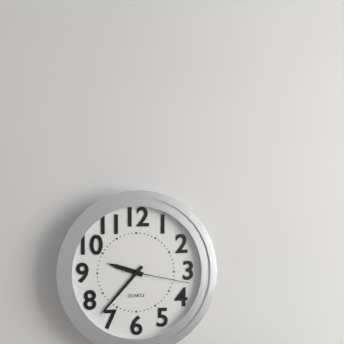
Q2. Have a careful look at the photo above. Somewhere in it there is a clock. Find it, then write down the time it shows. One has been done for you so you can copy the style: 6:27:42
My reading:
9:37:17
